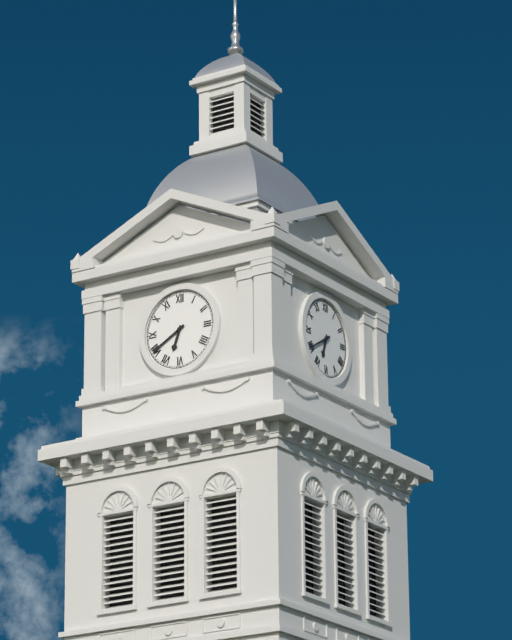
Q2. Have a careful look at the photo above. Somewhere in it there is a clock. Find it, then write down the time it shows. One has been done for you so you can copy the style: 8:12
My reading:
6:40
